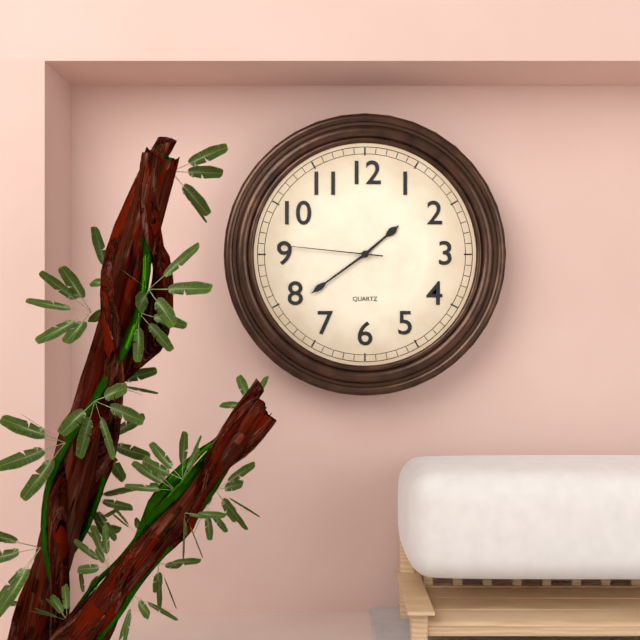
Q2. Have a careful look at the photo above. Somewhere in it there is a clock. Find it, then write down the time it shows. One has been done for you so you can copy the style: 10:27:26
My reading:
1:39:46
